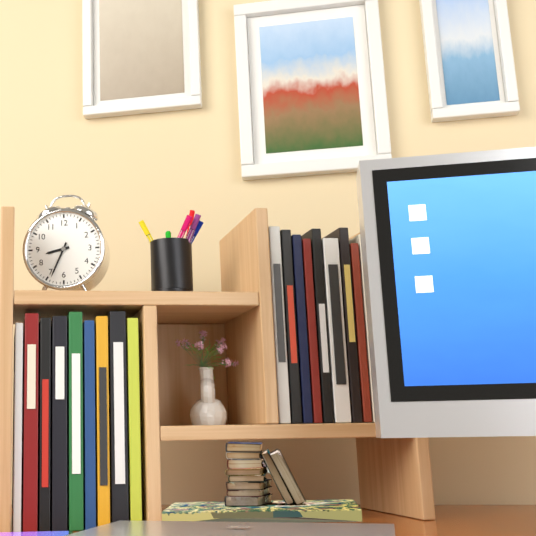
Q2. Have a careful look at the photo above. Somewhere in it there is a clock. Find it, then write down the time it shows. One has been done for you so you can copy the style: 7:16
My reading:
8:34
